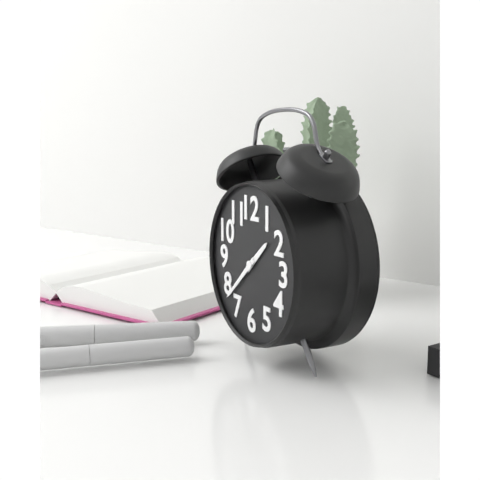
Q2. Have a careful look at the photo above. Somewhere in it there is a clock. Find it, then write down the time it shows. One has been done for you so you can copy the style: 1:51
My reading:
1:38
